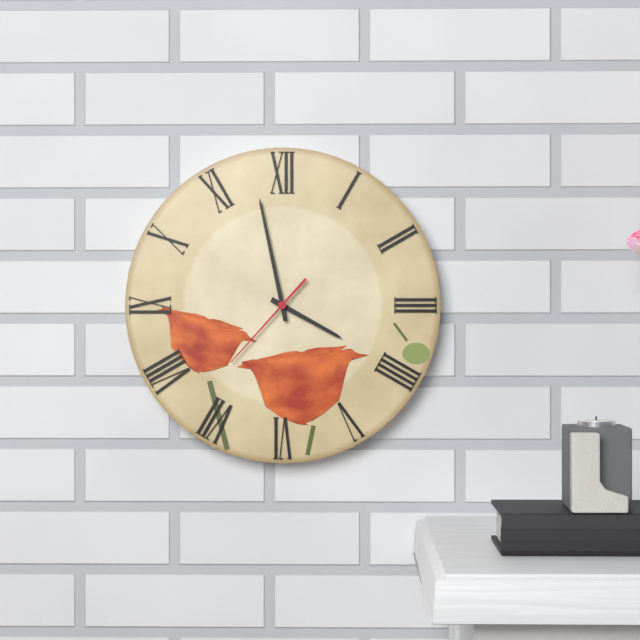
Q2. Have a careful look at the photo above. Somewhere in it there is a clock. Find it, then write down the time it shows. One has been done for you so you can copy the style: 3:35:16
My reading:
3:58:37
